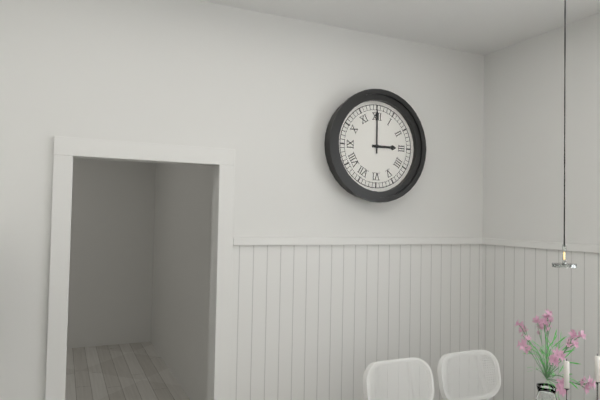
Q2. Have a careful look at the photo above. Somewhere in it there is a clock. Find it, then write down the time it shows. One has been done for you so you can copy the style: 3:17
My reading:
3:00
